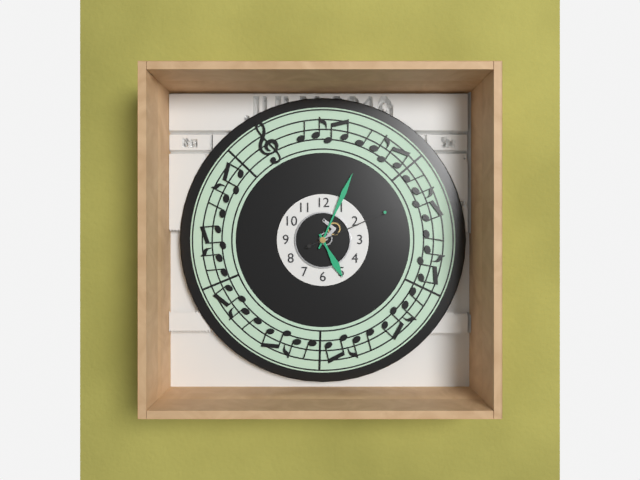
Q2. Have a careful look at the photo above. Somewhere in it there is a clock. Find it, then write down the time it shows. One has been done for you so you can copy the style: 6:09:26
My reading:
5:04:11
